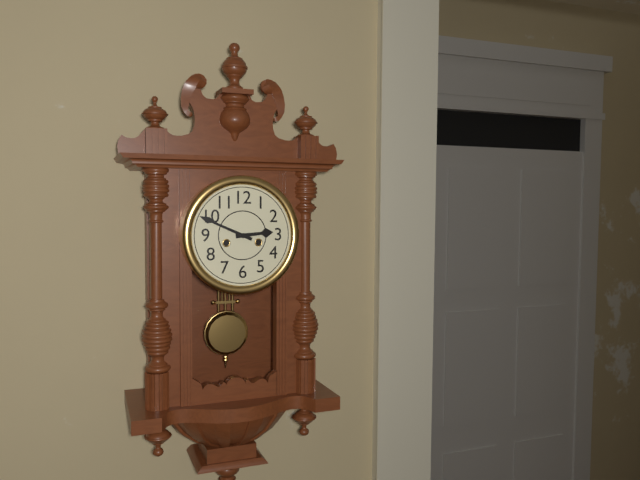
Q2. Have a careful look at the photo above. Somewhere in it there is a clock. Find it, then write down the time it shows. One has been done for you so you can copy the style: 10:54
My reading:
2:49
